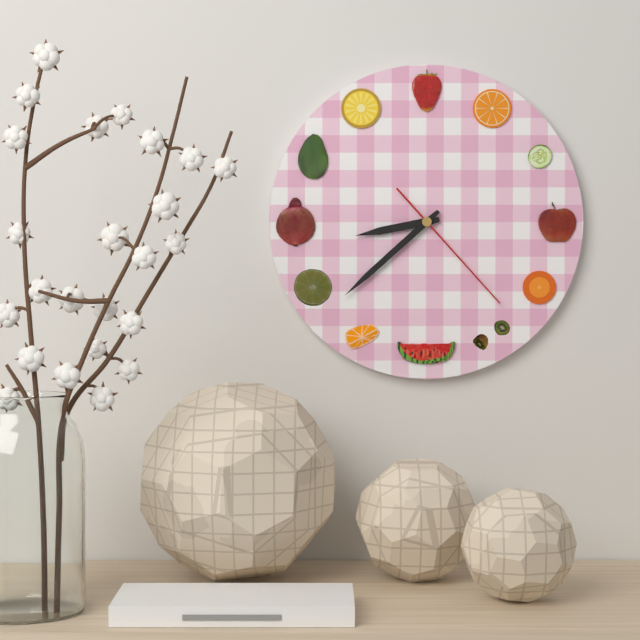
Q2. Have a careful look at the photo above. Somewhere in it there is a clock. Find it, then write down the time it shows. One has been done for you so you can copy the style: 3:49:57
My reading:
8:38:23
